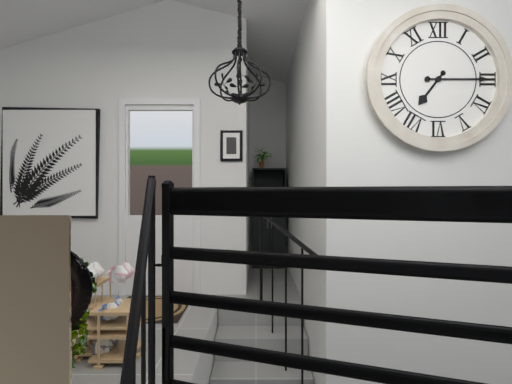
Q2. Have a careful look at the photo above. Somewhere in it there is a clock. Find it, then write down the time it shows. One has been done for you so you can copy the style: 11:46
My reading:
7:15
